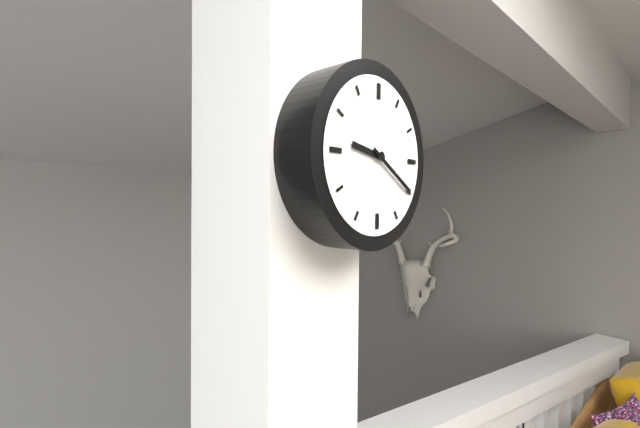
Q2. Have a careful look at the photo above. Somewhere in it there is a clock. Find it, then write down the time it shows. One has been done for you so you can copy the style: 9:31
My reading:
9:20
